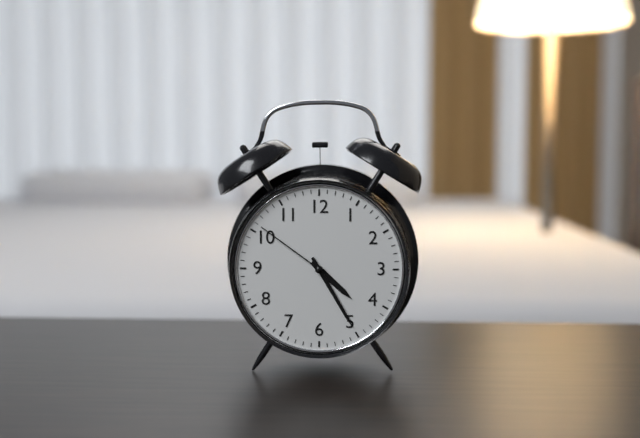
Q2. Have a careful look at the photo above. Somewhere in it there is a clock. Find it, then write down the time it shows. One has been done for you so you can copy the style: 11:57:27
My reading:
4:25:51
